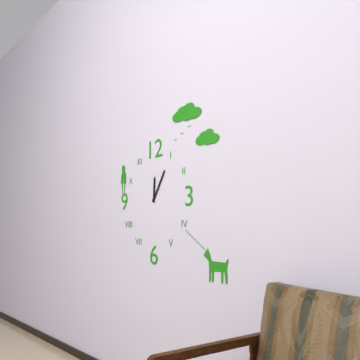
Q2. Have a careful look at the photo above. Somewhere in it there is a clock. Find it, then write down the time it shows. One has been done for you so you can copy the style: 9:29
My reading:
12:05
